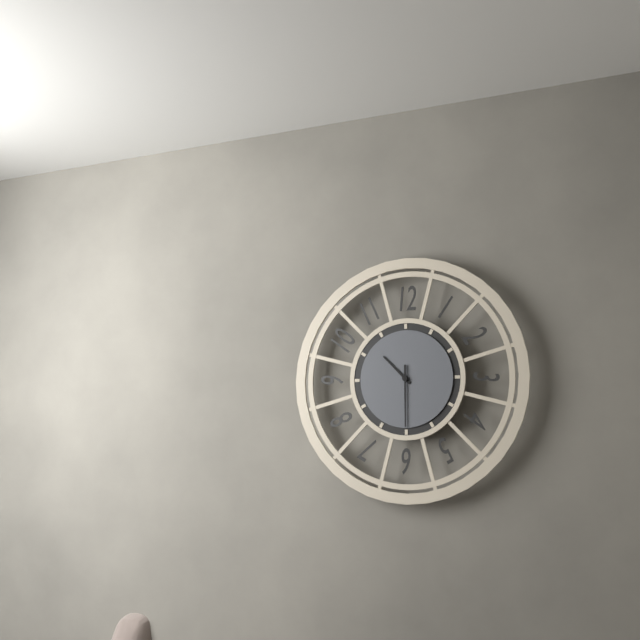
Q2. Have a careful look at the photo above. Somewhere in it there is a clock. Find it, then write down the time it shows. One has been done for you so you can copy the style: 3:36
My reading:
10:30
